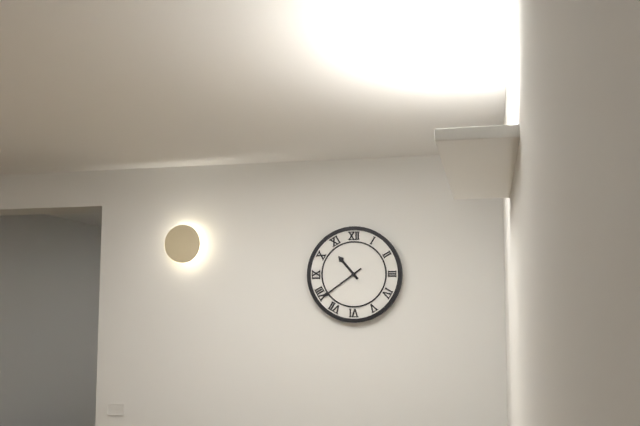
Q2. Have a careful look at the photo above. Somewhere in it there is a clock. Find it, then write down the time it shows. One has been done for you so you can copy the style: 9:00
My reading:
10:39
